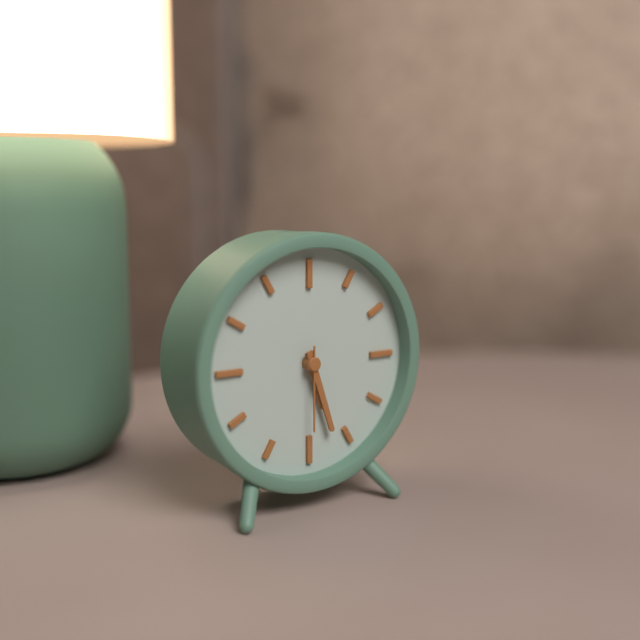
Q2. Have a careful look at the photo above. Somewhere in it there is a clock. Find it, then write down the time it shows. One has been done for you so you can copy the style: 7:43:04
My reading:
5:27:30
